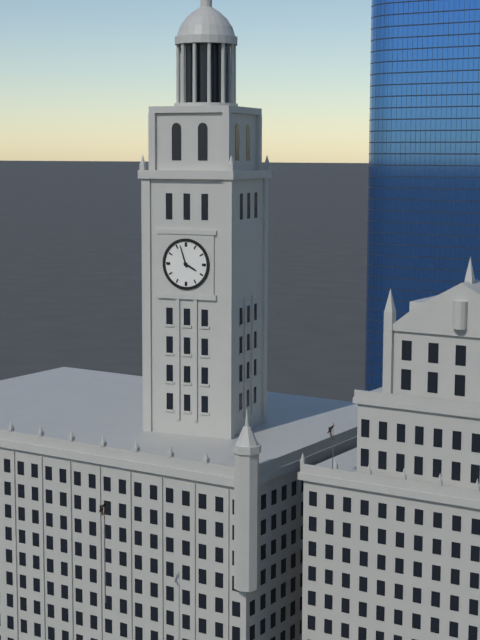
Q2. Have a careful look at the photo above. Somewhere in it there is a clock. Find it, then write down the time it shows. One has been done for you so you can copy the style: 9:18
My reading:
3:57
